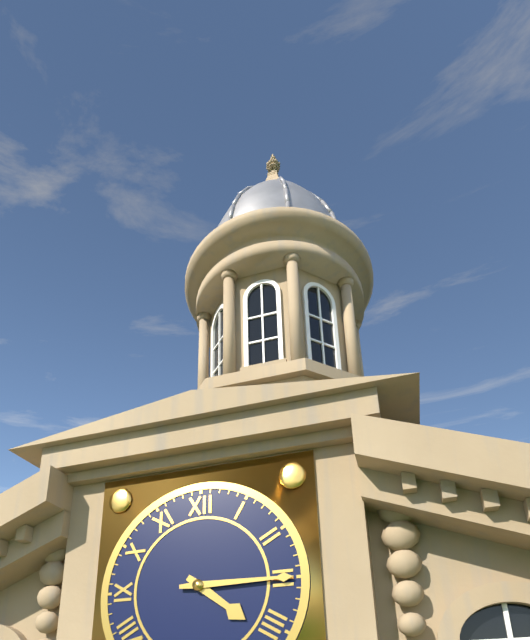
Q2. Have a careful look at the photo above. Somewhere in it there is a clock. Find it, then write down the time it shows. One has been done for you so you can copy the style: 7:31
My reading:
4:15
